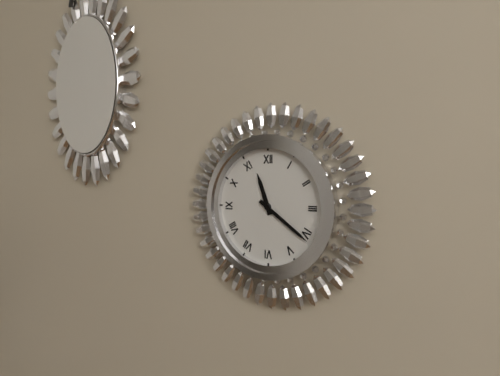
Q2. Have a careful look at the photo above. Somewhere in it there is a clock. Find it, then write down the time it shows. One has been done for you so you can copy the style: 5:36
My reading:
11:21
